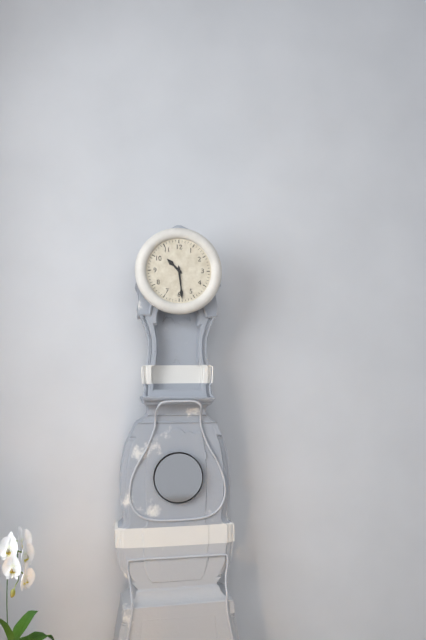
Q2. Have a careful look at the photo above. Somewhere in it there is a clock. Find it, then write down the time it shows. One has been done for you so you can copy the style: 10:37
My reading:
10:29
